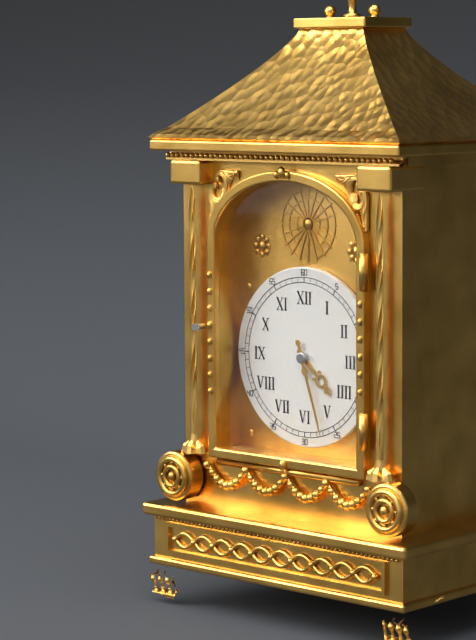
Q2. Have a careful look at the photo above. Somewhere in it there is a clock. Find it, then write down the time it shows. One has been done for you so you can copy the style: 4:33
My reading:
4:27
